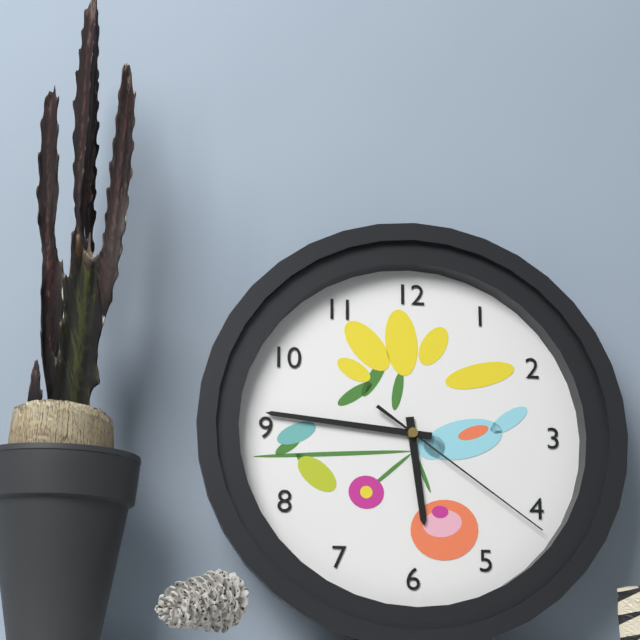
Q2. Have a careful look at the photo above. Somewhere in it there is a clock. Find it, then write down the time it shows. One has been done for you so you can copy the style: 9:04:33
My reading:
5:46:21
